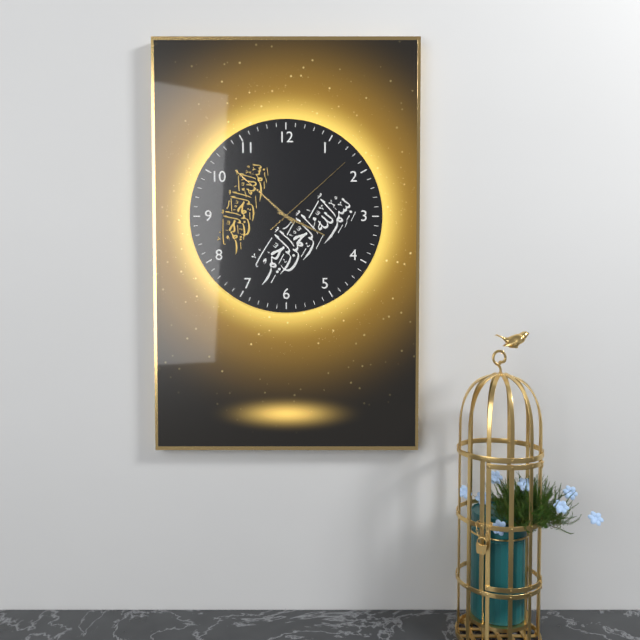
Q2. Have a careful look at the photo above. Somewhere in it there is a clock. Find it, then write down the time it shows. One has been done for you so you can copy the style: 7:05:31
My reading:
3:52:08
